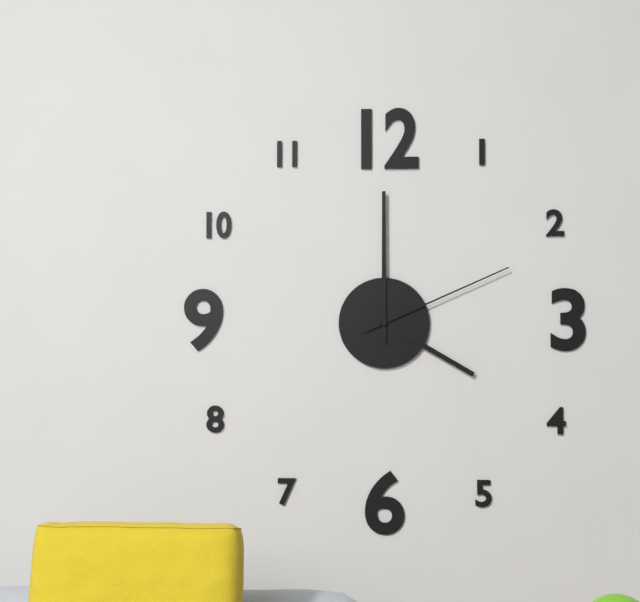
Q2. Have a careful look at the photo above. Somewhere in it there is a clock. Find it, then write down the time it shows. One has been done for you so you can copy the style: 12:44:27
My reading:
4:00:11
